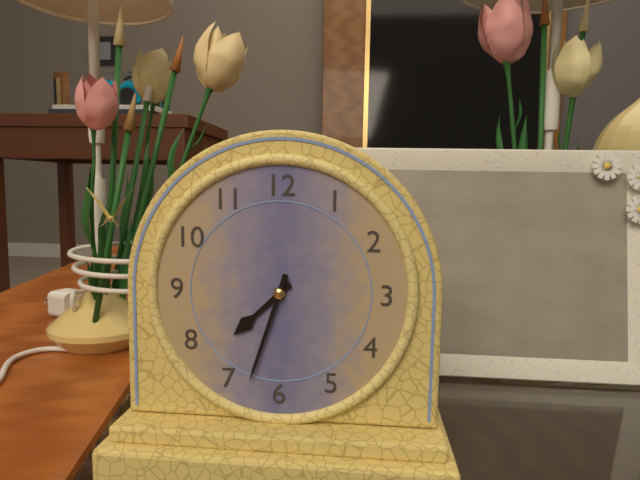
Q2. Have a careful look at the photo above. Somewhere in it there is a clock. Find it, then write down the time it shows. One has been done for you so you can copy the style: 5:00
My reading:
7:33
